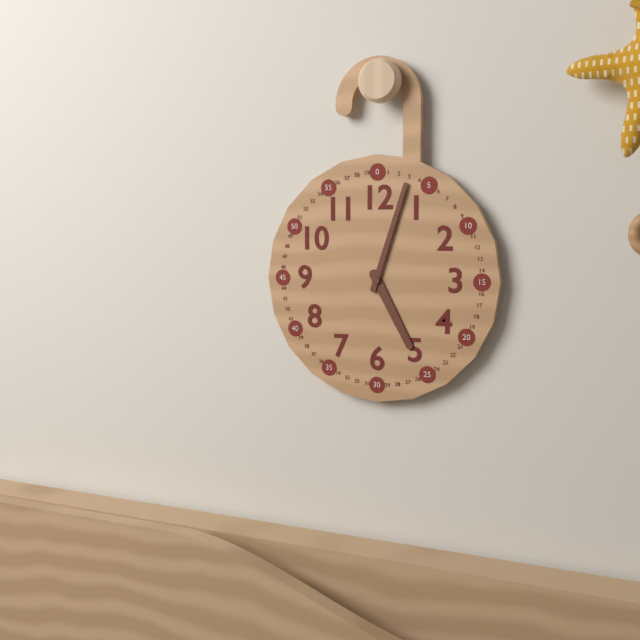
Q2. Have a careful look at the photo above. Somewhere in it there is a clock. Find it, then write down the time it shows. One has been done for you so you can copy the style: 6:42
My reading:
5:03
